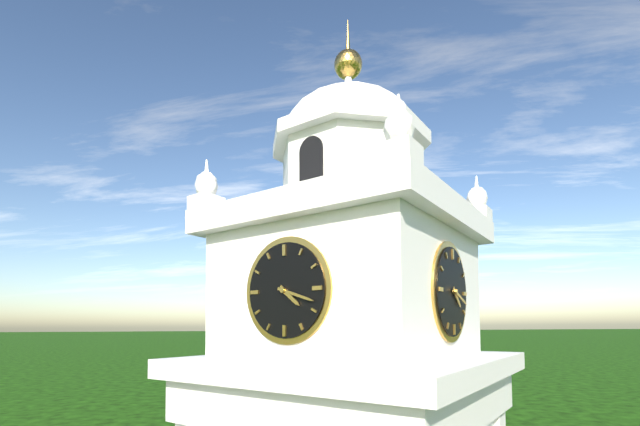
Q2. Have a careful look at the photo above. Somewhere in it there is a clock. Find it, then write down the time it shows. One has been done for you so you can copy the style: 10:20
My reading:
4:18
